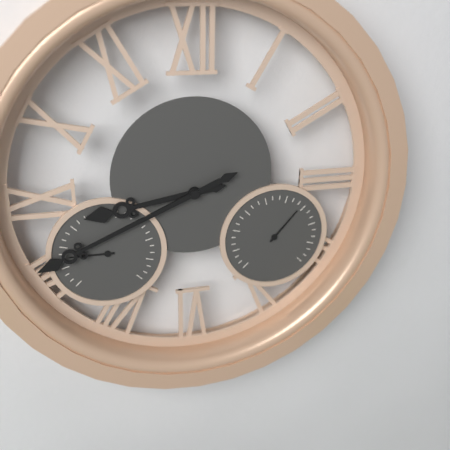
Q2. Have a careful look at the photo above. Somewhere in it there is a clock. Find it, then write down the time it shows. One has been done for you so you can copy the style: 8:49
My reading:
8:41
